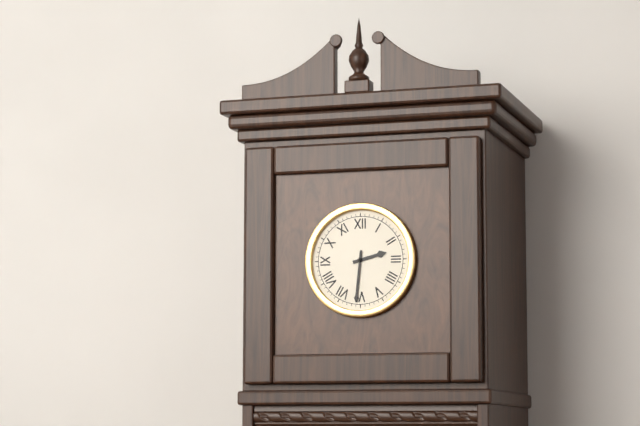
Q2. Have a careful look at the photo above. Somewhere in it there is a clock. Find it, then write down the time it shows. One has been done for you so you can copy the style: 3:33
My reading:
2:31
